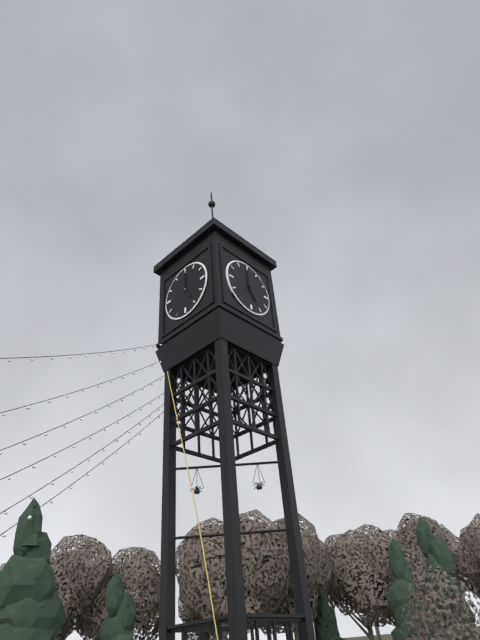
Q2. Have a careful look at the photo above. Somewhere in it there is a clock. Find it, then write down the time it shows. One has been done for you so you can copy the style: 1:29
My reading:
5:00
